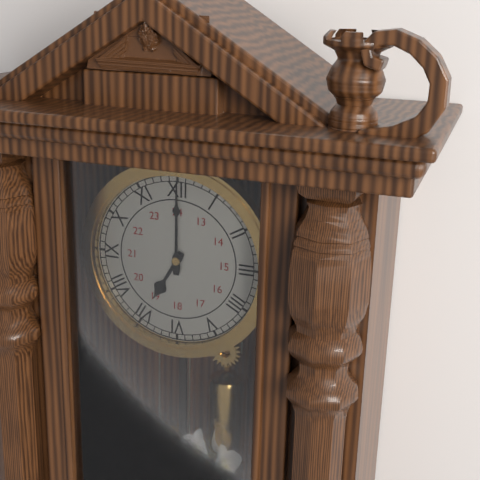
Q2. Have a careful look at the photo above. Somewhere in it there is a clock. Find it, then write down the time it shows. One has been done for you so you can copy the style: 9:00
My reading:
7:00
